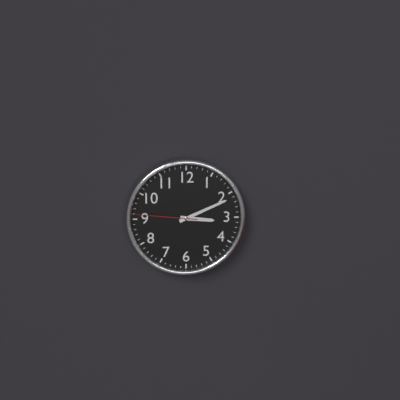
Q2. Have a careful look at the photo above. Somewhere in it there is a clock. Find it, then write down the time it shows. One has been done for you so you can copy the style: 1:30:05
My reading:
3:11:46
